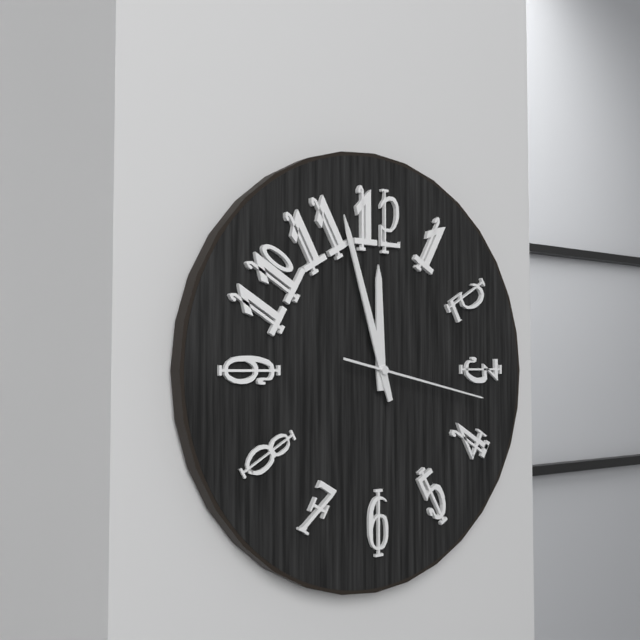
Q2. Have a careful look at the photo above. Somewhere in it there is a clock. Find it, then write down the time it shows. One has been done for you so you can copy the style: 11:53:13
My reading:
11:57:17
